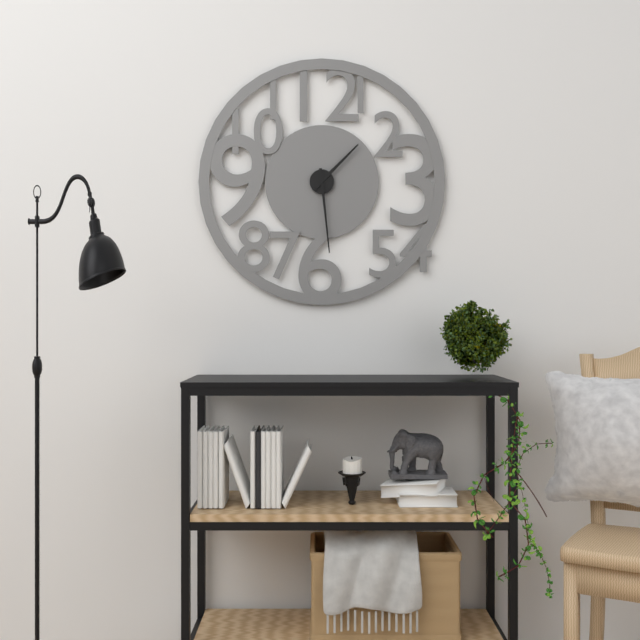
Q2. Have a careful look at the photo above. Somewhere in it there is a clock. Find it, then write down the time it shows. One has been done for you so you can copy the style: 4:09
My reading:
1:29
